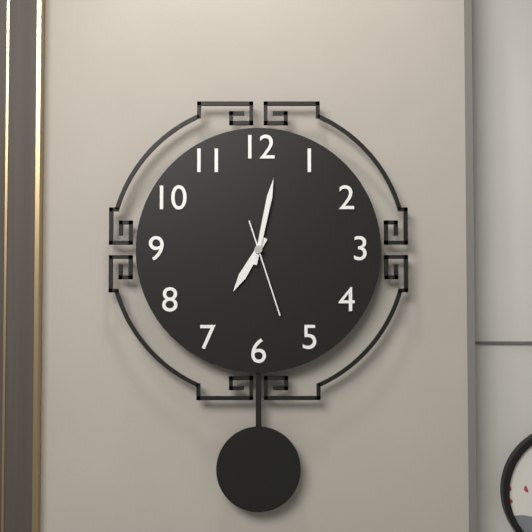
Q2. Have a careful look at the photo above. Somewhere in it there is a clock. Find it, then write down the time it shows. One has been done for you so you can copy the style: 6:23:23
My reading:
7:02:27
